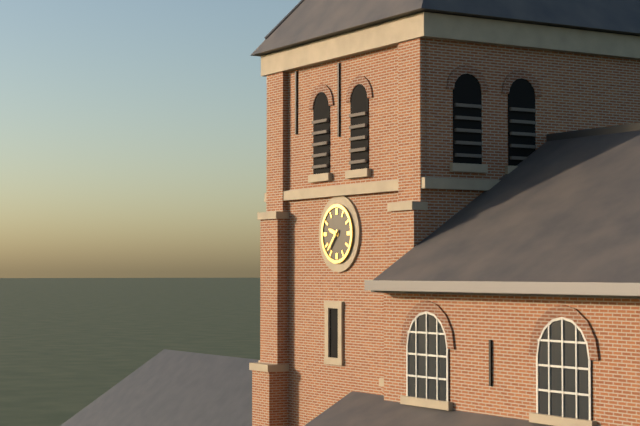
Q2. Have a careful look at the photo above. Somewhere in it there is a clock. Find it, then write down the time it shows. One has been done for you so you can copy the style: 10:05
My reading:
9:37
